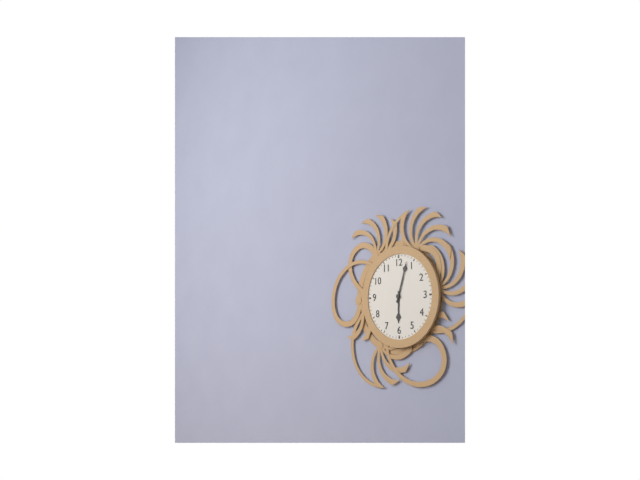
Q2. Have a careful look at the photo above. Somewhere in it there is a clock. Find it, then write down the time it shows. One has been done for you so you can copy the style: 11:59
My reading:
6:03
